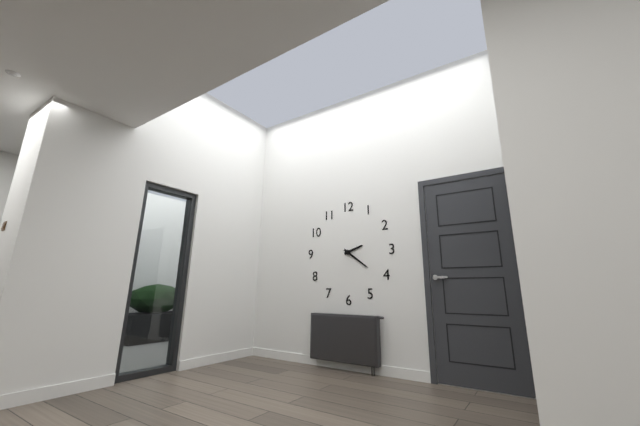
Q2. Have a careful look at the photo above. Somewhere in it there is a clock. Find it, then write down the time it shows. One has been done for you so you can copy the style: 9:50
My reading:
2:21
